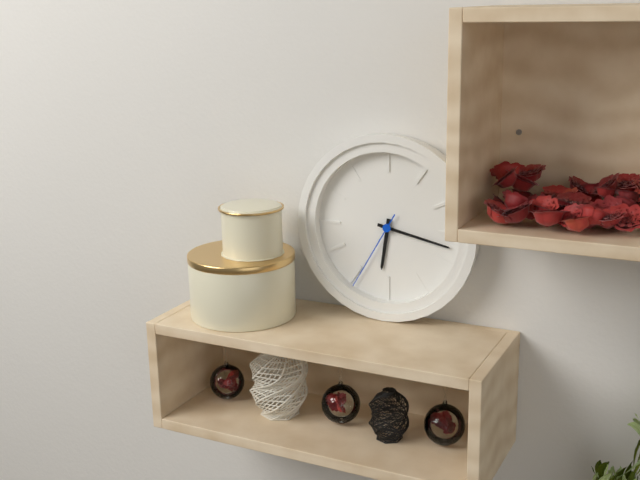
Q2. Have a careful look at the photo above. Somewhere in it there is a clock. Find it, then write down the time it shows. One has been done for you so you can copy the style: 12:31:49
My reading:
6:17:35
